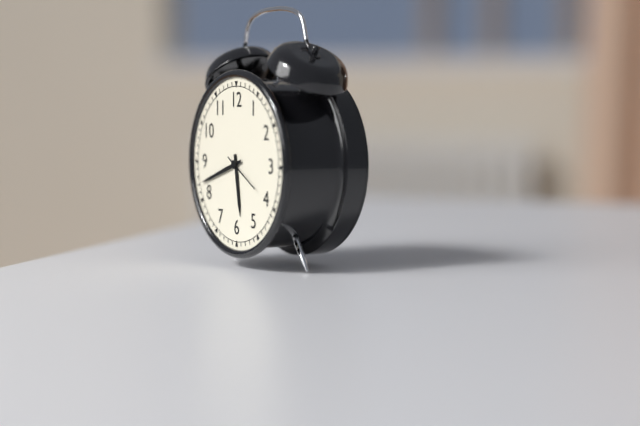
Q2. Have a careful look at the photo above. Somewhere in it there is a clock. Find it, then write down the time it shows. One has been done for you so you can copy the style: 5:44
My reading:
5:42
